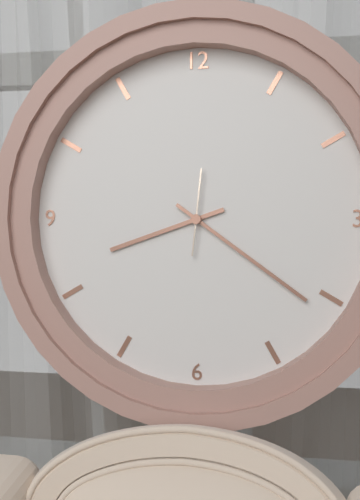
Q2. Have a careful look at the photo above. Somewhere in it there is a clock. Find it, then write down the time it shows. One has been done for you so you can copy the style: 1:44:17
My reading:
8:21:01
